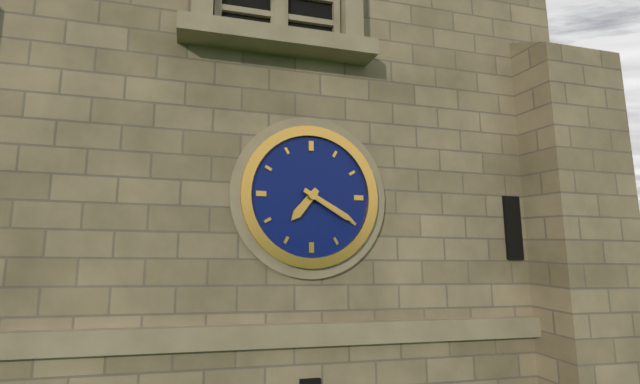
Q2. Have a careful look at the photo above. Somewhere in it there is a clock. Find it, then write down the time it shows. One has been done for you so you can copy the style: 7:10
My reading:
7:20
